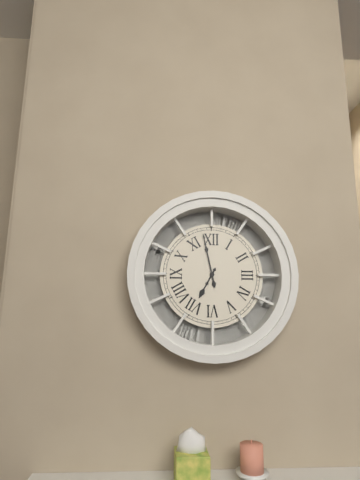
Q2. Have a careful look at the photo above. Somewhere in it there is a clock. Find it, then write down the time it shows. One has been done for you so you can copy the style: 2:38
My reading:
6:58
